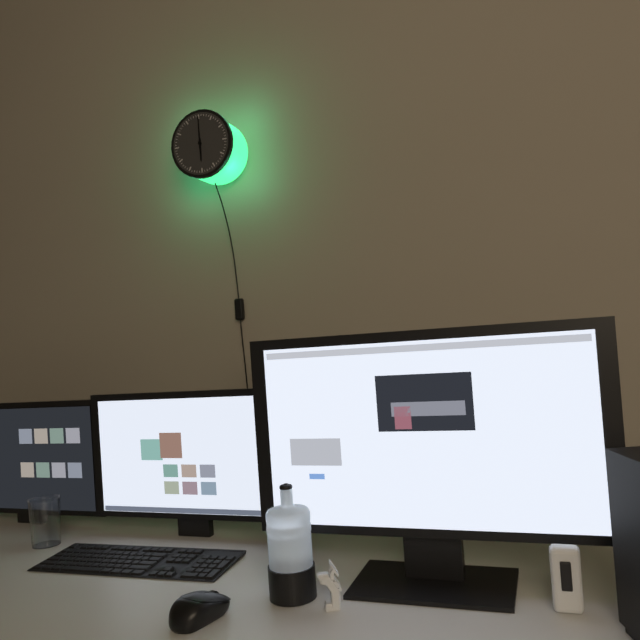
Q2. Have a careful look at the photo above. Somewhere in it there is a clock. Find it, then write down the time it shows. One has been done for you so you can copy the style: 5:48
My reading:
6:00
